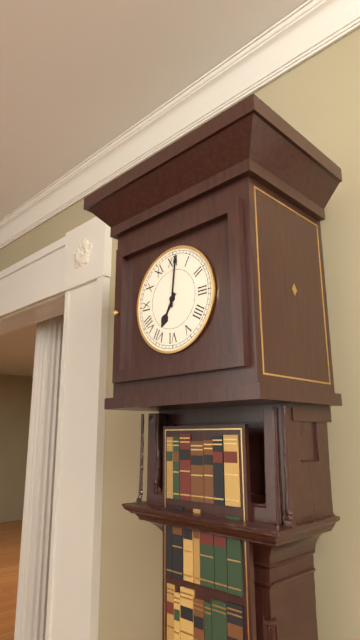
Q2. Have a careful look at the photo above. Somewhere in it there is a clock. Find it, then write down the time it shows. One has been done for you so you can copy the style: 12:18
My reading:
7:01
